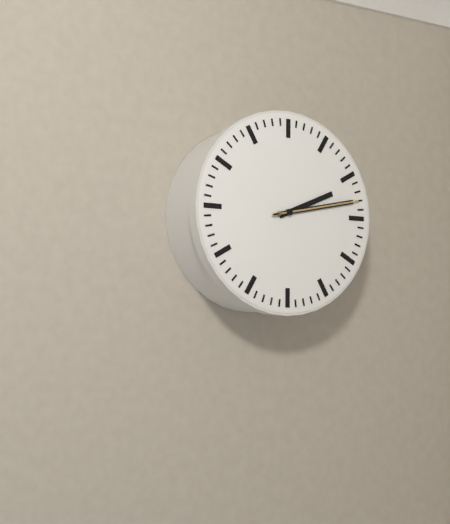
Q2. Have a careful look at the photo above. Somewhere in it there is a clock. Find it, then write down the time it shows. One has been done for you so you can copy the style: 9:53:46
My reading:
2:13:13
